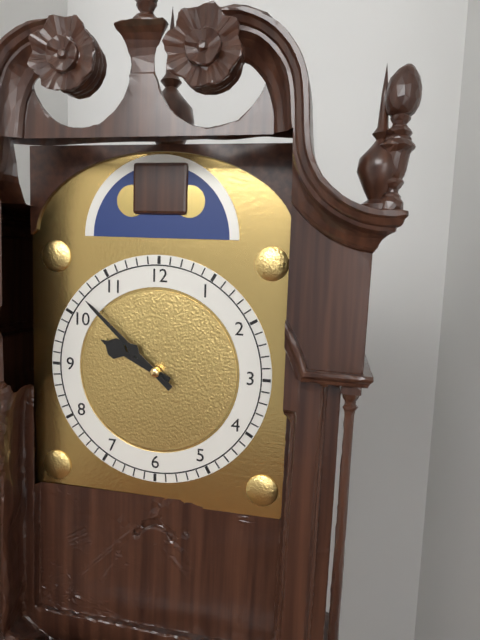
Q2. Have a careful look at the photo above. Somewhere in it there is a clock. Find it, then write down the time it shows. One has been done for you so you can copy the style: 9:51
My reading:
9:52
